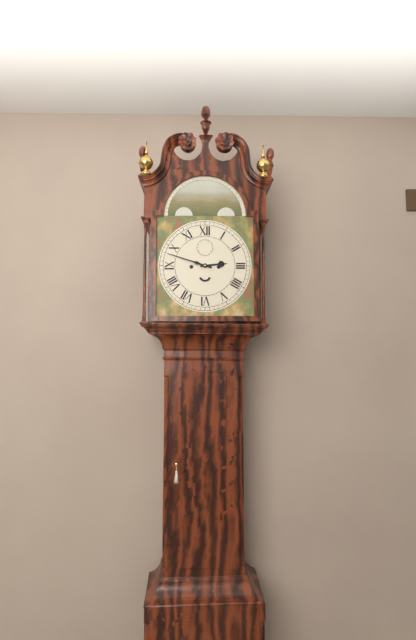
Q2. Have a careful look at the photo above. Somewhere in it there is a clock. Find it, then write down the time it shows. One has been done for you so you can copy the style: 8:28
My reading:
2:48
